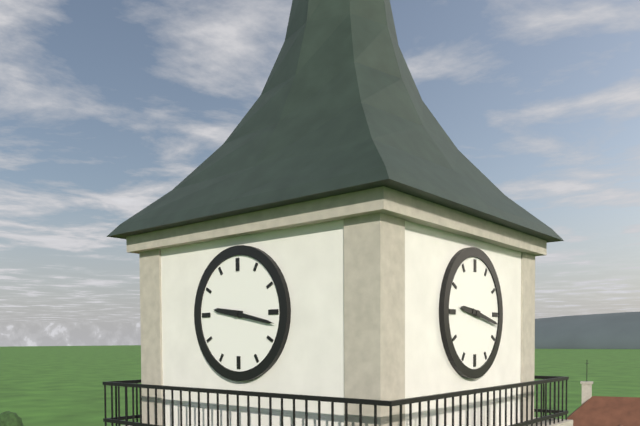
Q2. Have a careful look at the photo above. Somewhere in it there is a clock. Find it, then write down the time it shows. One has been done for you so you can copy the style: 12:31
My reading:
9:17
